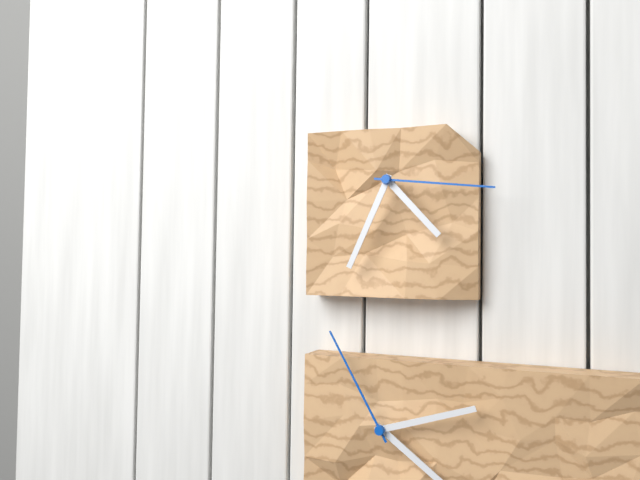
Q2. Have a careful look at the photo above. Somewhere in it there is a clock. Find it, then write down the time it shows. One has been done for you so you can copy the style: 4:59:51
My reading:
4:34:16
